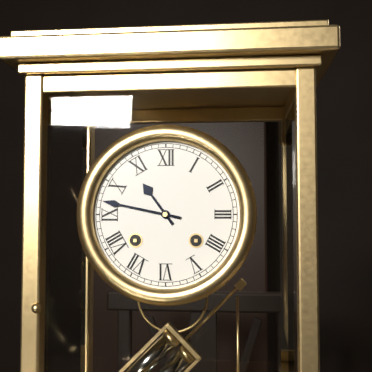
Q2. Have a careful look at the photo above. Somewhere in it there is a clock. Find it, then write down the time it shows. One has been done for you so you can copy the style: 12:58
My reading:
10:47
